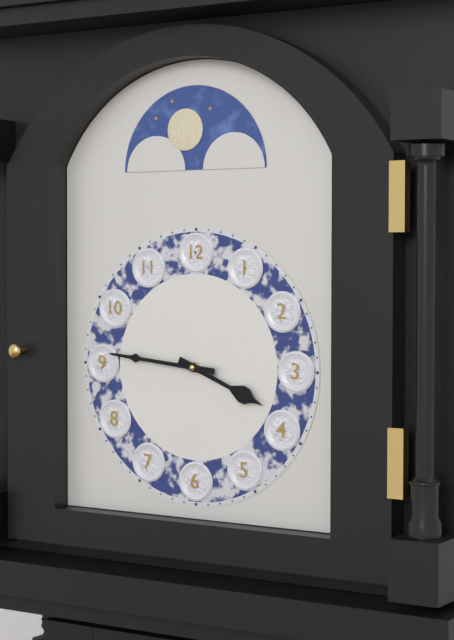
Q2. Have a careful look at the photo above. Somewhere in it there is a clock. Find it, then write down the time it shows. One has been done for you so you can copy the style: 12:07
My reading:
3:46
